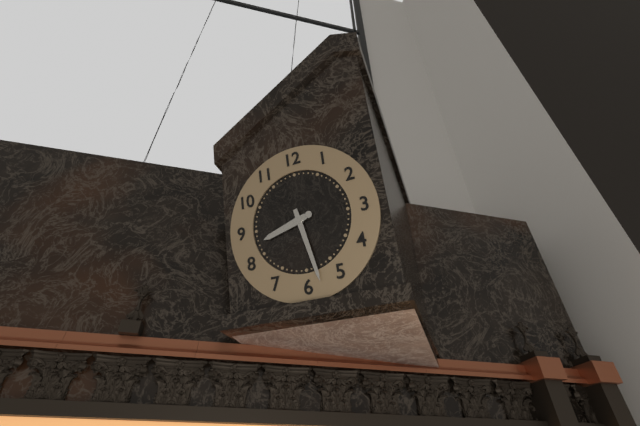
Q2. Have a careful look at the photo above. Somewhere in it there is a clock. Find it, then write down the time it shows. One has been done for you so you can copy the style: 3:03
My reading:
8:28
